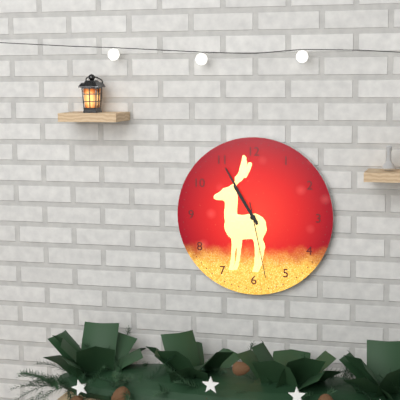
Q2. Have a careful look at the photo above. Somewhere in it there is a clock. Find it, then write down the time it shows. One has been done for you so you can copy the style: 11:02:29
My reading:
10:55:28
